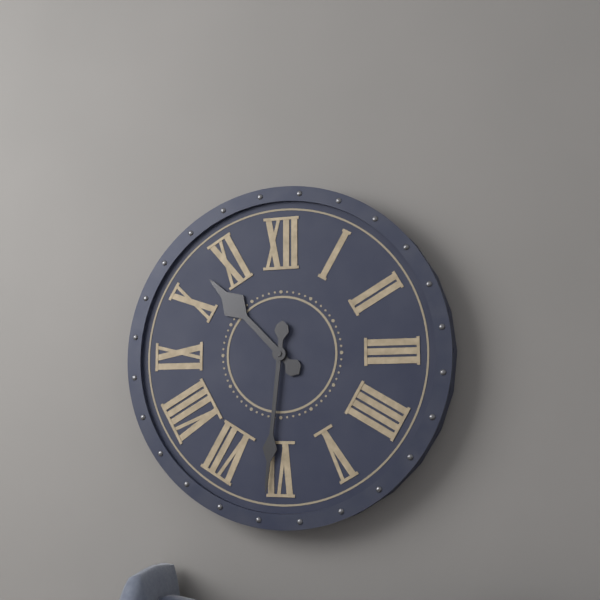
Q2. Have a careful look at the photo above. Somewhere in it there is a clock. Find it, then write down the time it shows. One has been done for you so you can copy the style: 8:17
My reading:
10:31
